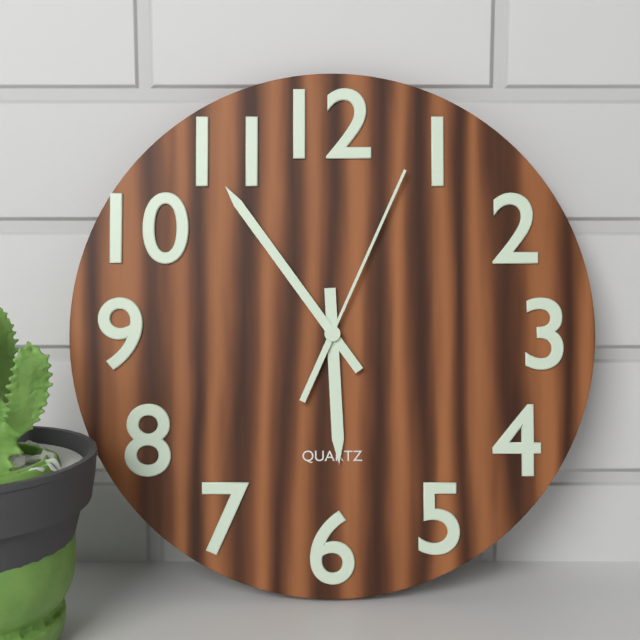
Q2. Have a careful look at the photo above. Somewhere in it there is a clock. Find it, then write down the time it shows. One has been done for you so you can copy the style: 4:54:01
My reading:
5:54:04
